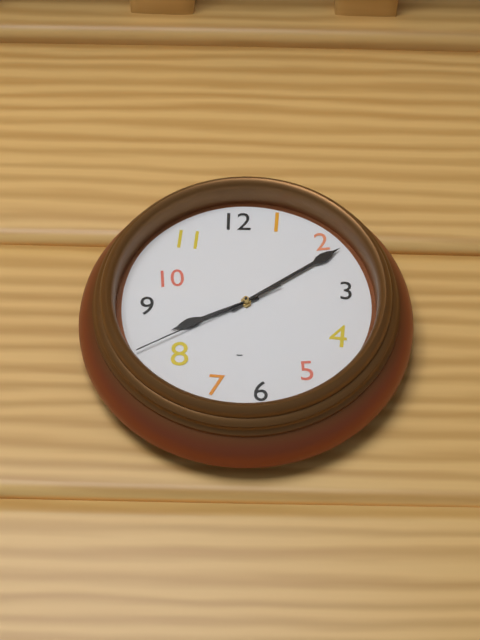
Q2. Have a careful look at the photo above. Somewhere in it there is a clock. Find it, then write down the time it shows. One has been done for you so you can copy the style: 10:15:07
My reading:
8:09:40
